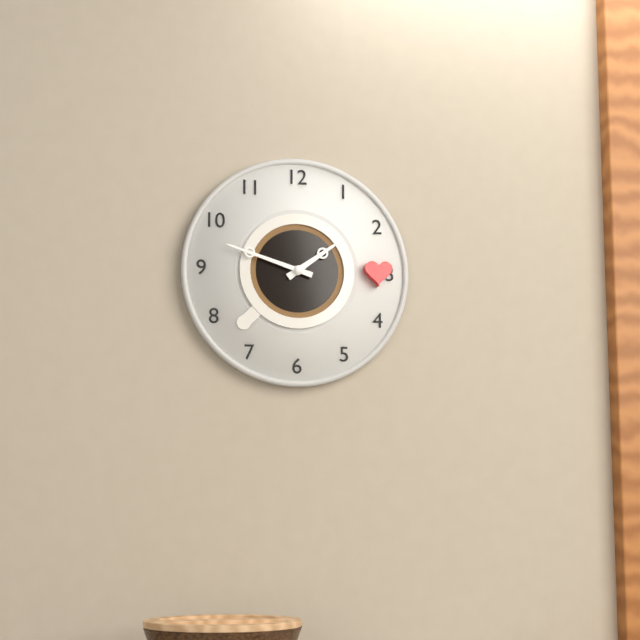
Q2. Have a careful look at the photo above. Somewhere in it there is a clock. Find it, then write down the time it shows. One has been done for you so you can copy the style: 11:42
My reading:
1:48
